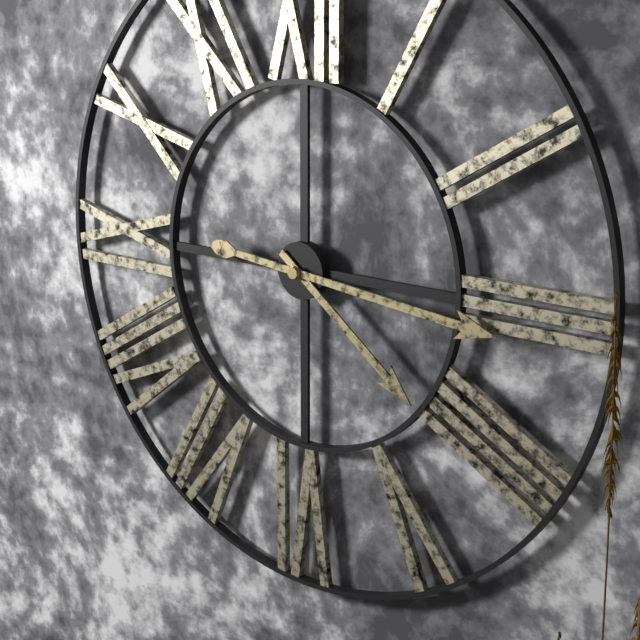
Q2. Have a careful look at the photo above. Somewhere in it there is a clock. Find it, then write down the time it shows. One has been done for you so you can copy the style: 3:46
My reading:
4:16
